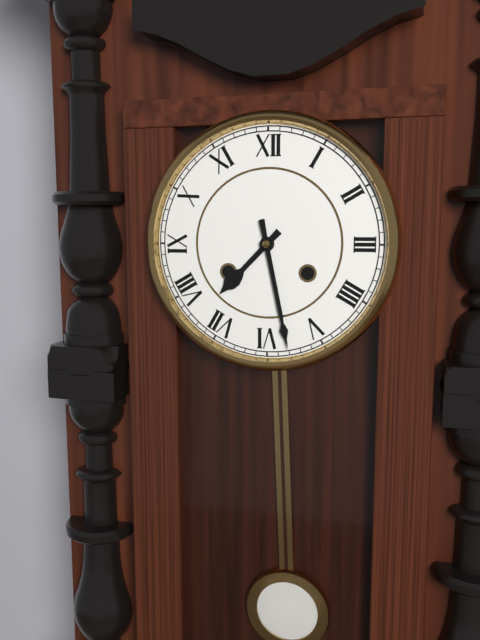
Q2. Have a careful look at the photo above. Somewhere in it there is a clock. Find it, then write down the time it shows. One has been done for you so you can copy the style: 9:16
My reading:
7:28
